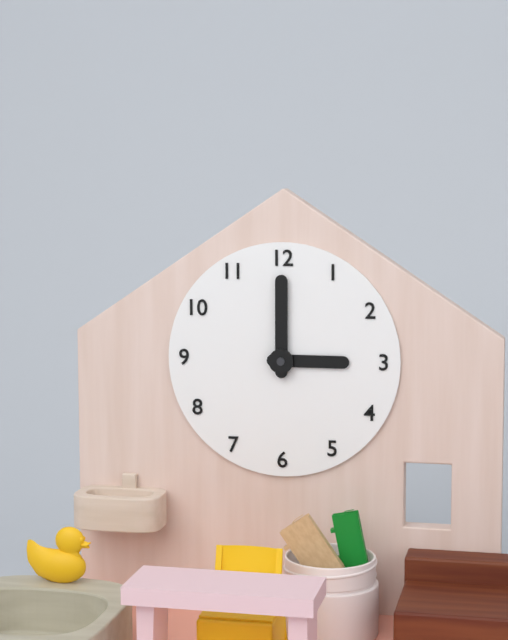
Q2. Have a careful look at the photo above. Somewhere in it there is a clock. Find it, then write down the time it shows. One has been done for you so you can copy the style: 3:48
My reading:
3:00
